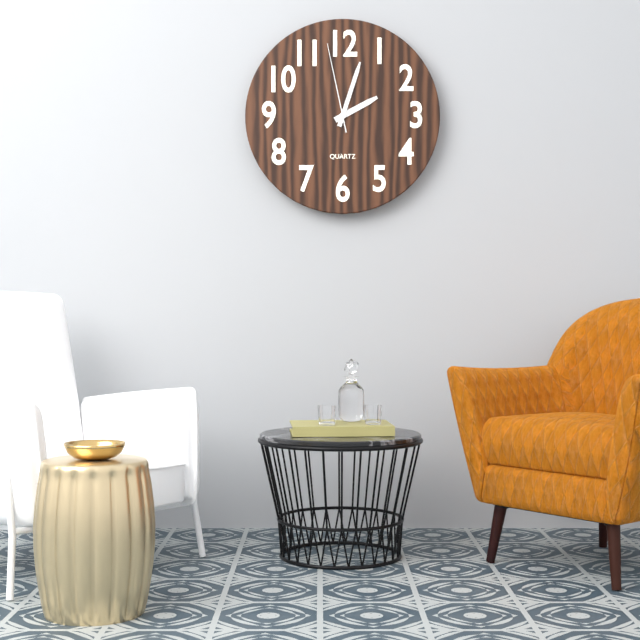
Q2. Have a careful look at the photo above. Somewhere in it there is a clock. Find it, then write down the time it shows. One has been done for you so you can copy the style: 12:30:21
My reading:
2:03:58
